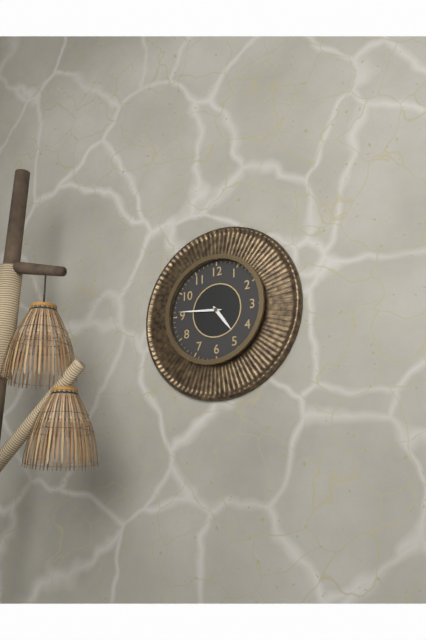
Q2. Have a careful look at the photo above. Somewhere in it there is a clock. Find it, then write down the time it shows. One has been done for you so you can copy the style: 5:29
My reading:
4:46
